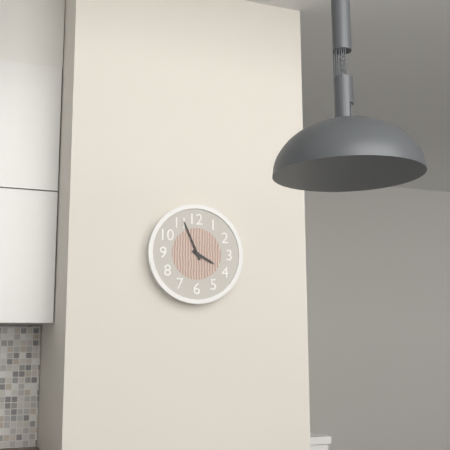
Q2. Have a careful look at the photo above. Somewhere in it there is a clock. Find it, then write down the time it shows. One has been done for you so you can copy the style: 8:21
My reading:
3:56
